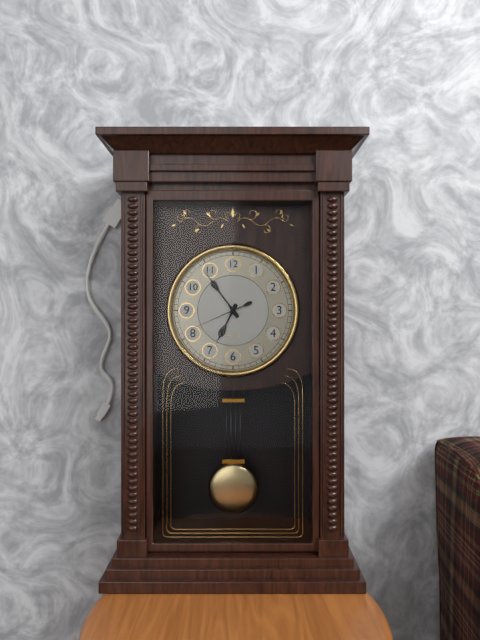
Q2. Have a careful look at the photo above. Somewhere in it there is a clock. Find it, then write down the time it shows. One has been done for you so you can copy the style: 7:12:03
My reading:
6:54:41
